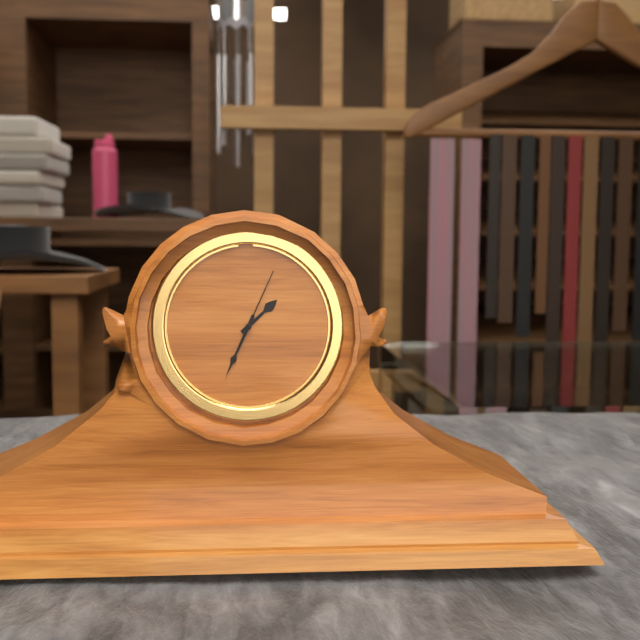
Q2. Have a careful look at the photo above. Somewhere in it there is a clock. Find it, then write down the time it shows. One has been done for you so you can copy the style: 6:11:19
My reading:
1:34:04
